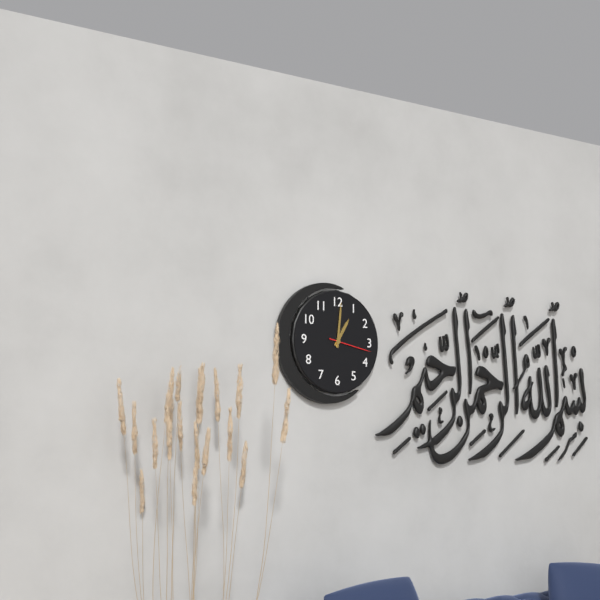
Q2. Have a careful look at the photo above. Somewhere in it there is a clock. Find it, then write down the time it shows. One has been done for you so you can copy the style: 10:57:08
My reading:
1:01:17
